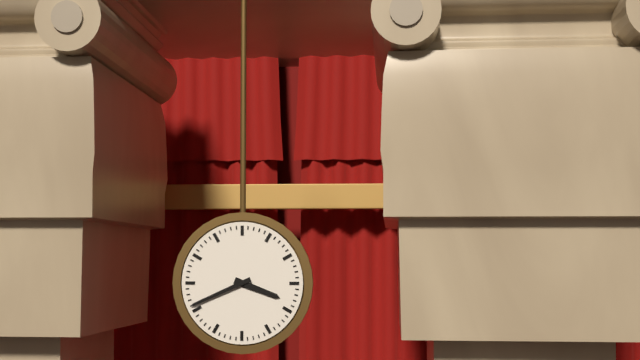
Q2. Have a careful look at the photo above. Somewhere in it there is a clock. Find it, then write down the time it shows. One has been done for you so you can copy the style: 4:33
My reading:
3:41
